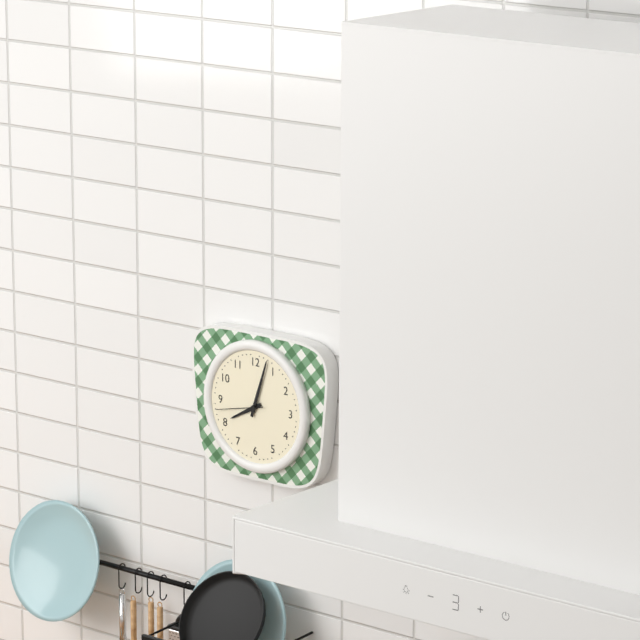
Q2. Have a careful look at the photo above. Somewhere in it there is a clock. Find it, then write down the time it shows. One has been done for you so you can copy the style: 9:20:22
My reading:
8:03:43
